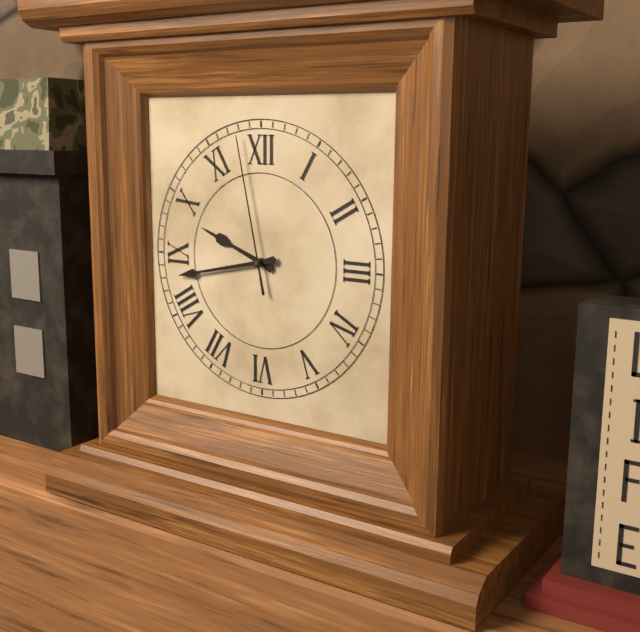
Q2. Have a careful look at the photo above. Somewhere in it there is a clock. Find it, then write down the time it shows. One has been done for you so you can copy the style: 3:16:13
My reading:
9:43:58
